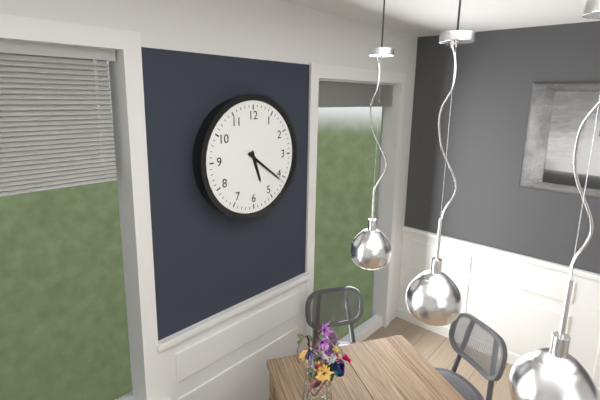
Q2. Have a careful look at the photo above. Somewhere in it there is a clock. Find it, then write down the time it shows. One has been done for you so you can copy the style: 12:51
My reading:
5:21
